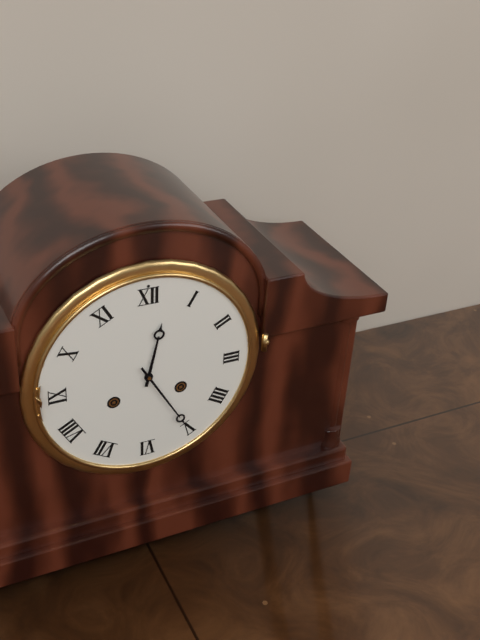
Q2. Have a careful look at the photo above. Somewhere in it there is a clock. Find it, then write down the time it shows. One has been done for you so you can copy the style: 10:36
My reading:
12:25
